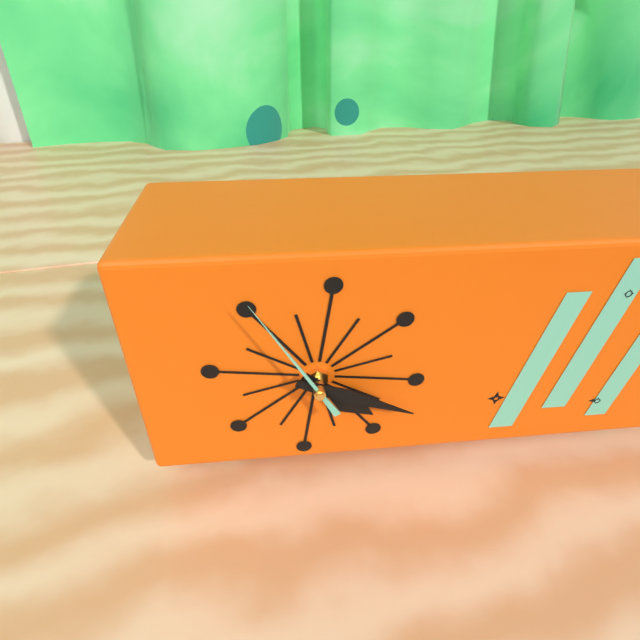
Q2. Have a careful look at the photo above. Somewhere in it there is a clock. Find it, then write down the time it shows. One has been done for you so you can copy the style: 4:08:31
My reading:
4:19:55
